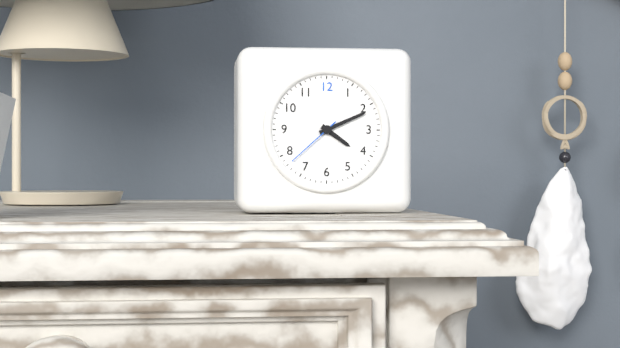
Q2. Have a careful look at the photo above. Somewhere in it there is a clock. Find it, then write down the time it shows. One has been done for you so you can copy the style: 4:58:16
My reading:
4:11:38
